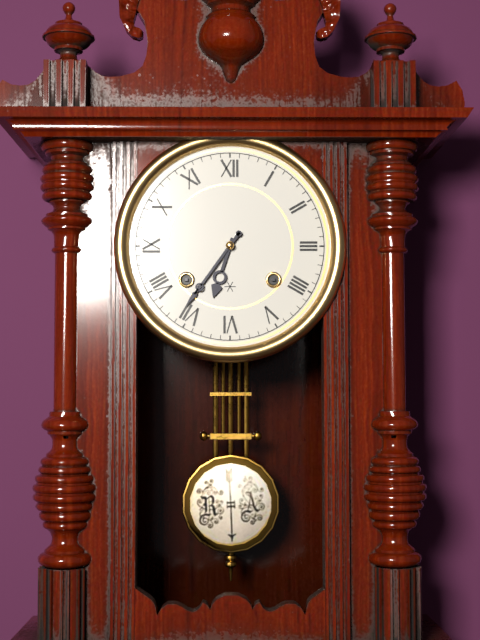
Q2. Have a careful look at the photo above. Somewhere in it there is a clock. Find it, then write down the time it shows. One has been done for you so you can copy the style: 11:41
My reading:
6:36
